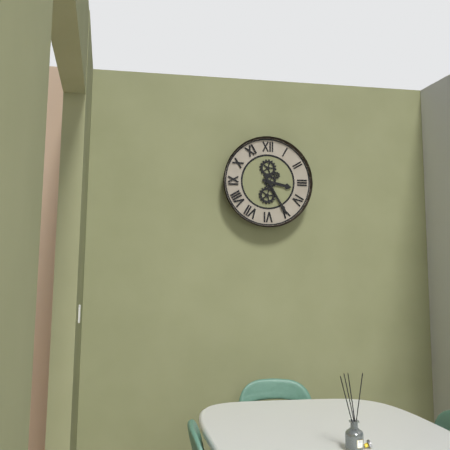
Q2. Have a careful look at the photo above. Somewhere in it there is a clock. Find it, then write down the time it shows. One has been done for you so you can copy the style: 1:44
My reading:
3:25
